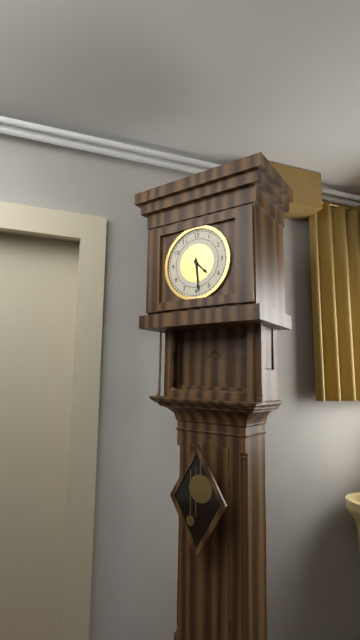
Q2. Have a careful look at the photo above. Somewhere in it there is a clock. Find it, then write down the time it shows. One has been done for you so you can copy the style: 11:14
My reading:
4:29
